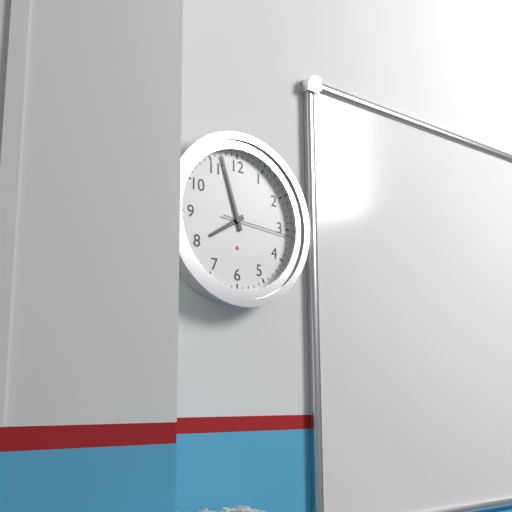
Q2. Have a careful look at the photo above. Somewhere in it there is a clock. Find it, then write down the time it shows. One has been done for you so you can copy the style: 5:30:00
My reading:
7:57:16
